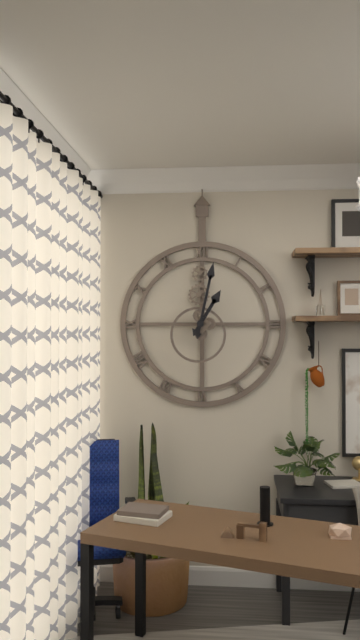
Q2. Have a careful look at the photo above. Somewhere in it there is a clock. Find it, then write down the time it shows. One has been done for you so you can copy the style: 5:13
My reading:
1:02
